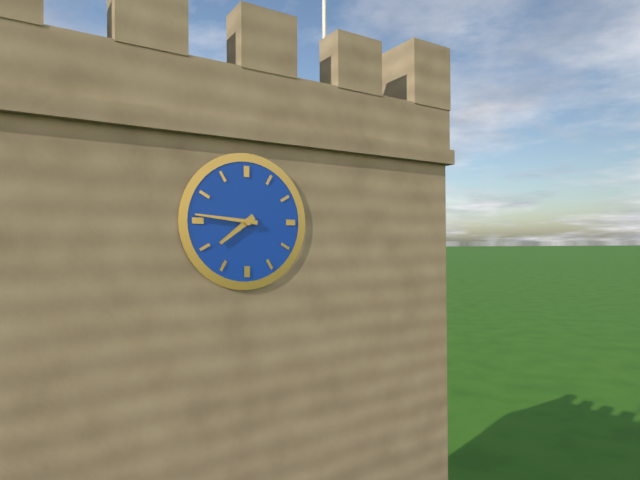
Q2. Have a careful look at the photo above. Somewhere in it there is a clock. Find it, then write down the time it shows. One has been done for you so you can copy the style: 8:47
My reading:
7:46
